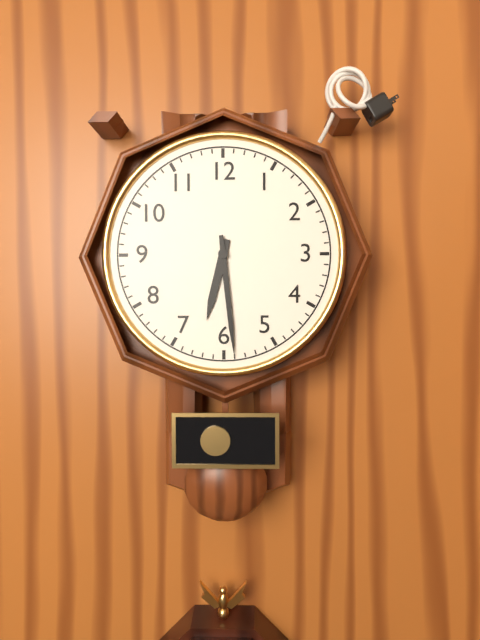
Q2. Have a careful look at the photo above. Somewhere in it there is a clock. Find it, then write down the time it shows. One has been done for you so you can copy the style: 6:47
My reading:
6:29
